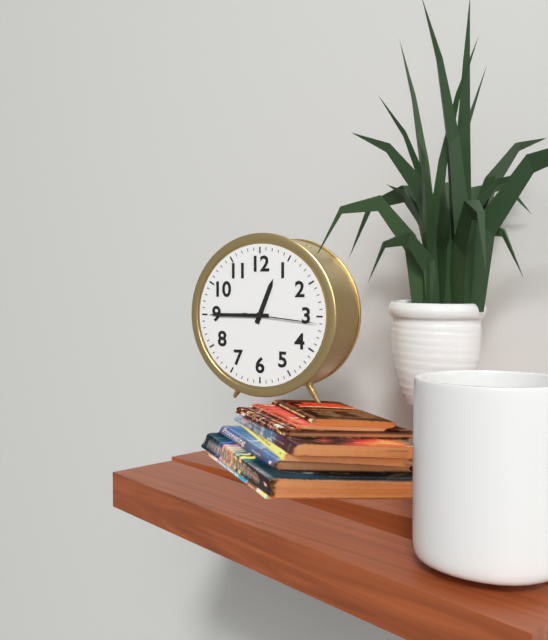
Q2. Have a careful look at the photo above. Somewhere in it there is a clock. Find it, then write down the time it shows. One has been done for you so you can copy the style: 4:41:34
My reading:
12:45:16
